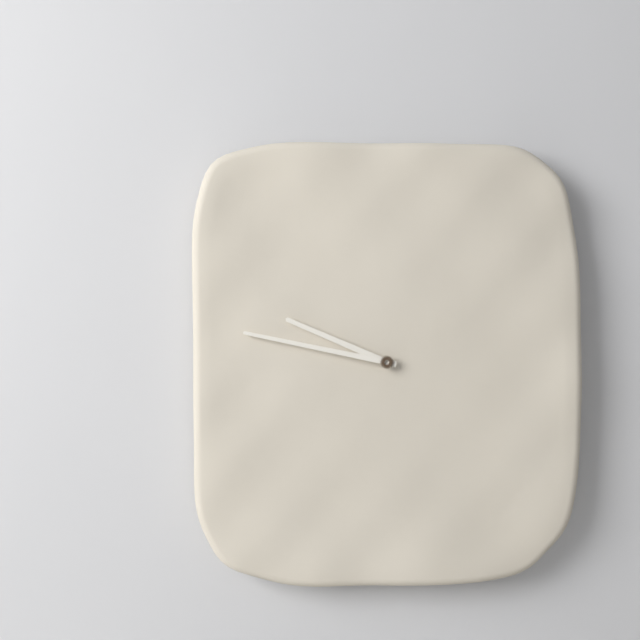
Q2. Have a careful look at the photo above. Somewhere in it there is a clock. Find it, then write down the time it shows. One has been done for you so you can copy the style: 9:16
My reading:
9:47
